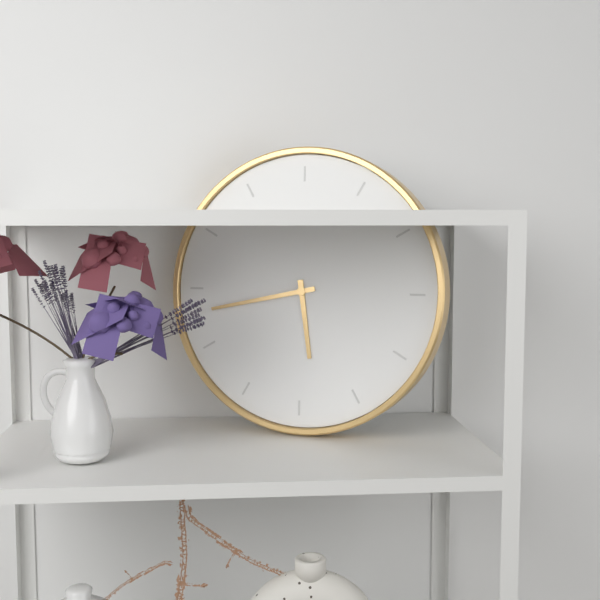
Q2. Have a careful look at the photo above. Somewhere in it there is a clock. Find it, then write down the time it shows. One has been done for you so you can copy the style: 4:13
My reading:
5:43
